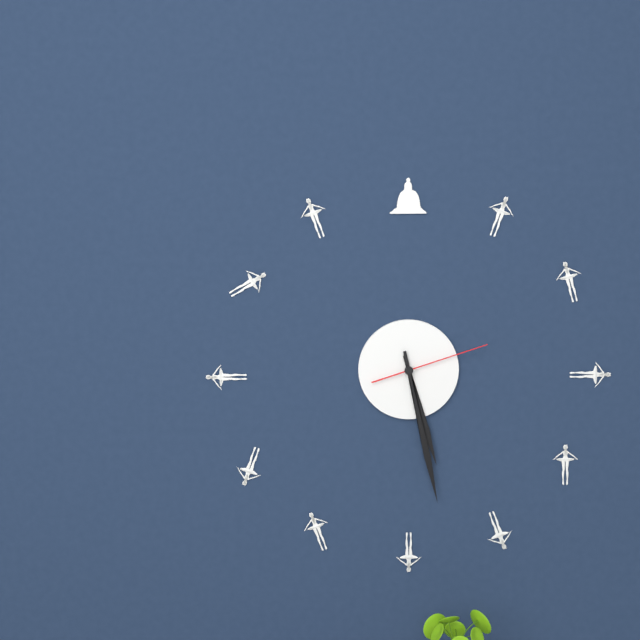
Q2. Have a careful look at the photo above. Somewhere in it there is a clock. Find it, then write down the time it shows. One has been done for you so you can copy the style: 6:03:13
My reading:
5:28:12
